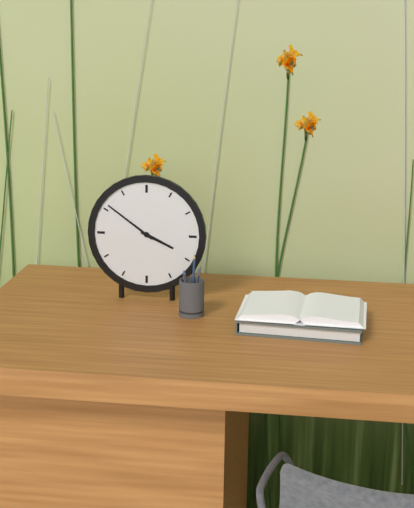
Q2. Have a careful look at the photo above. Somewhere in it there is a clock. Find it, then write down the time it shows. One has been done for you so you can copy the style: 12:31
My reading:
3:51
